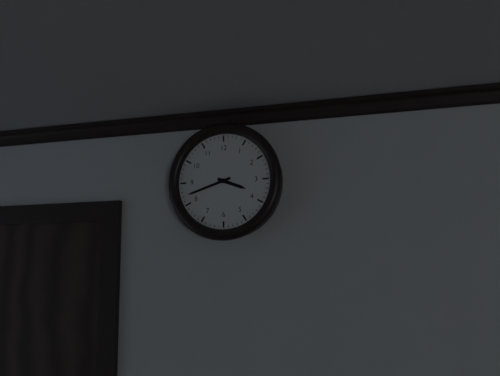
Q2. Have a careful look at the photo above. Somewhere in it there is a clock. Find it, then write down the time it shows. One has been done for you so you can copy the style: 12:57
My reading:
3:42
